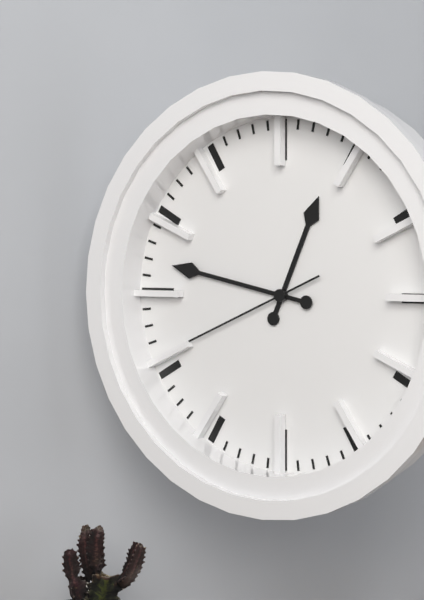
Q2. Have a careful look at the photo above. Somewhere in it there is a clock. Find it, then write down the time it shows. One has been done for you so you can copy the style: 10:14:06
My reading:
12:47:41
